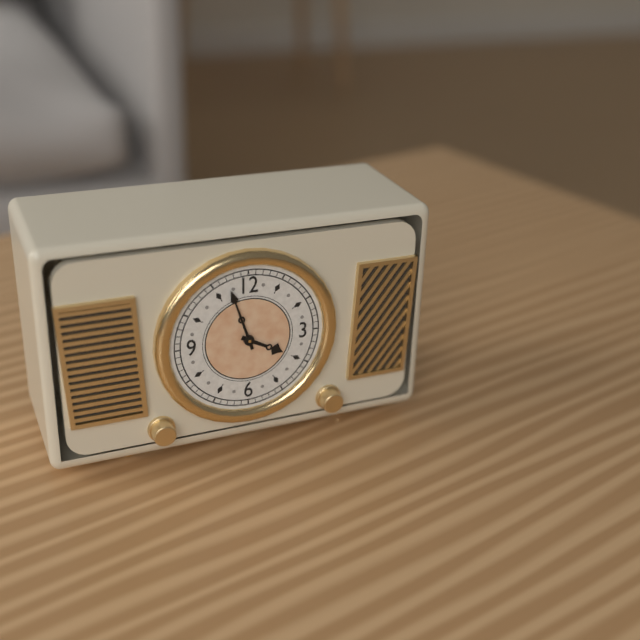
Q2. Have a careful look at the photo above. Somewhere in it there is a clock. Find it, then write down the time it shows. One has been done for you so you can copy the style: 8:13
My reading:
3:57
